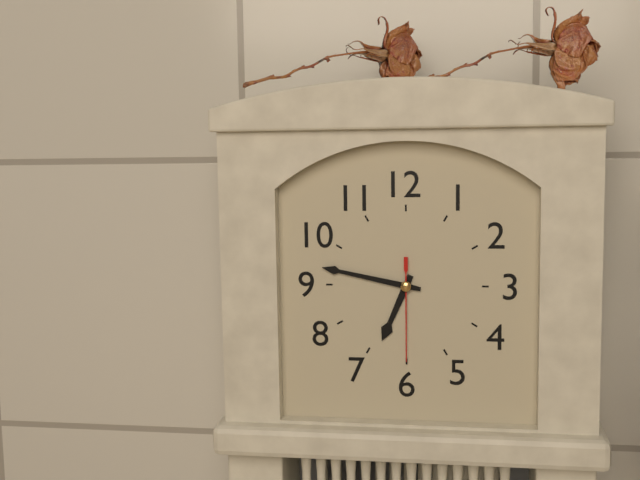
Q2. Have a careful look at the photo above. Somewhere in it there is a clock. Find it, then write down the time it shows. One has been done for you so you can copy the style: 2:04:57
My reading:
6:47:30
